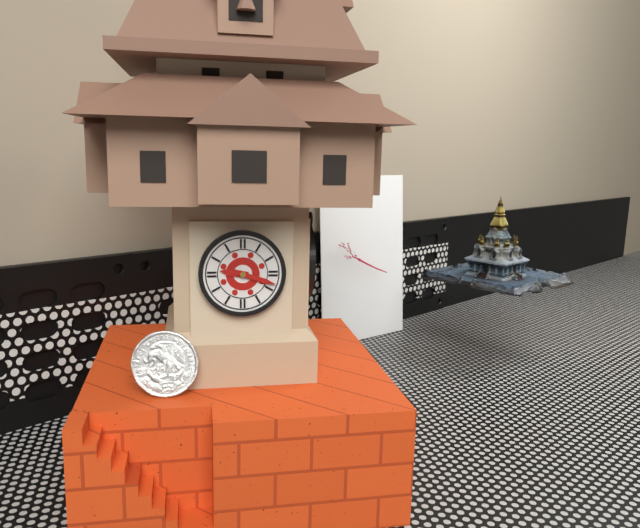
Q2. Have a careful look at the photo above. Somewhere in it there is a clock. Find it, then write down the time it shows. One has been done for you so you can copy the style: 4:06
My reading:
9:18
